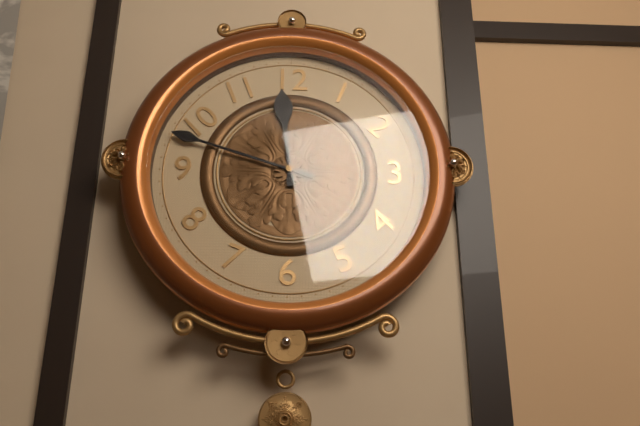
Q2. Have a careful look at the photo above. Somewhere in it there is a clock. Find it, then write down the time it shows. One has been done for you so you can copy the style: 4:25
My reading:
11:48
